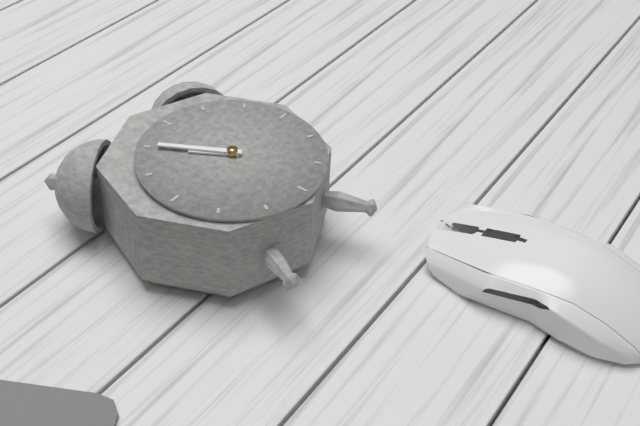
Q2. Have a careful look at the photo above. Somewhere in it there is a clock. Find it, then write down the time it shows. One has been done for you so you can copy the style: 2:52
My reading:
10:55
